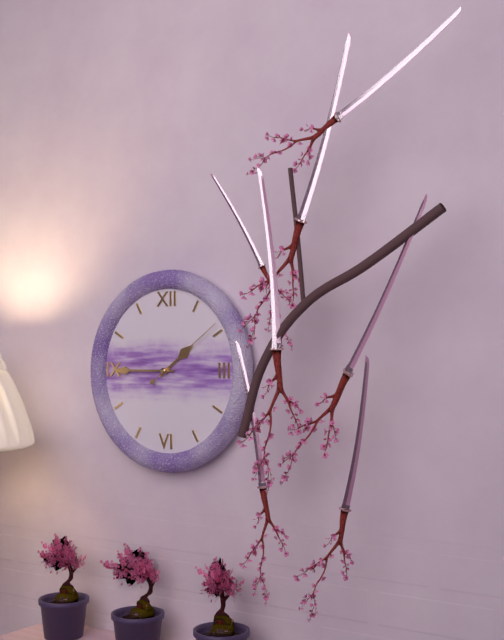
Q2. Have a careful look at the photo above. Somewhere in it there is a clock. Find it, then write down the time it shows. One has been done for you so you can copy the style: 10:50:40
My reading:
1:45:09
